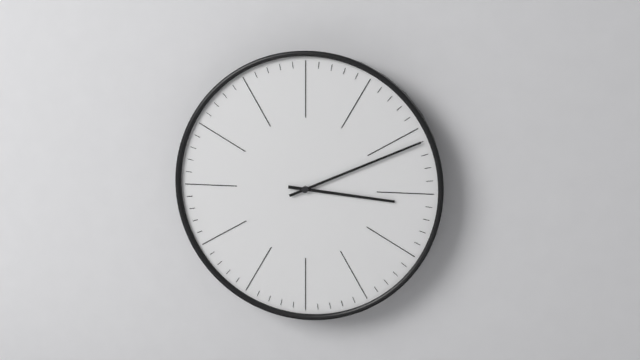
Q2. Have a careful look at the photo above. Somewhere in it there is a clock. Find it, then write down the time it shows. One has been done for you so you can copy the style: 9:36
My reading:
3:11
